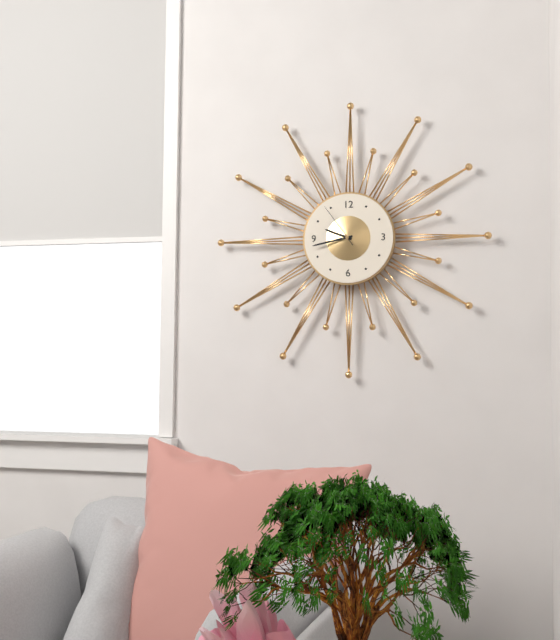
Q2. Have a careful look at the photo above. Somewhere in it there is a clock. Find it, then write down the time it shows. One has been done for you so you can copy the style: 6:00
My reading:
9:43
